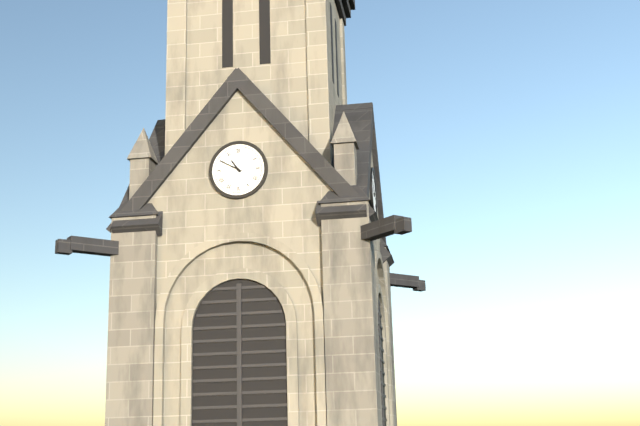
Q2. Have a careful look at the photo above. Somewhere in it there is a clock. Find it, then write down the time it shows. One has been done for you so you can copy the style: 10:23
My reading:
10:50
